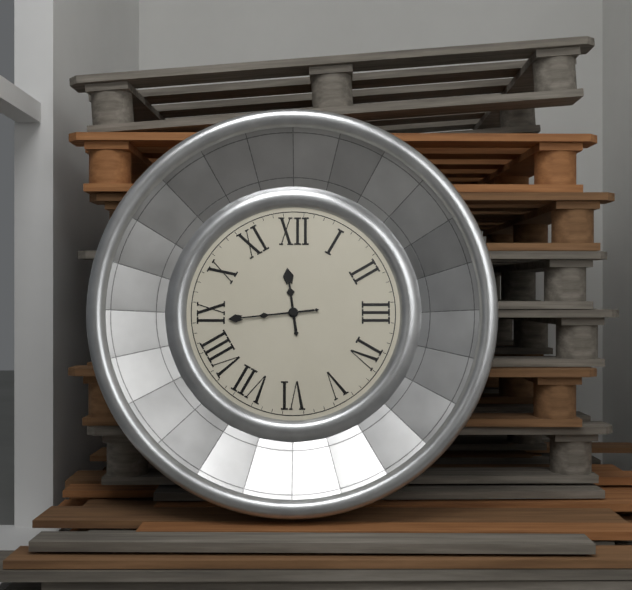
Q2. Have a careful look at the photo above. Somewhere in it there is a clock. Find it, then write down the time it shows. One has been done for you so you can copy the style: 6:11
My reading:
11:44
